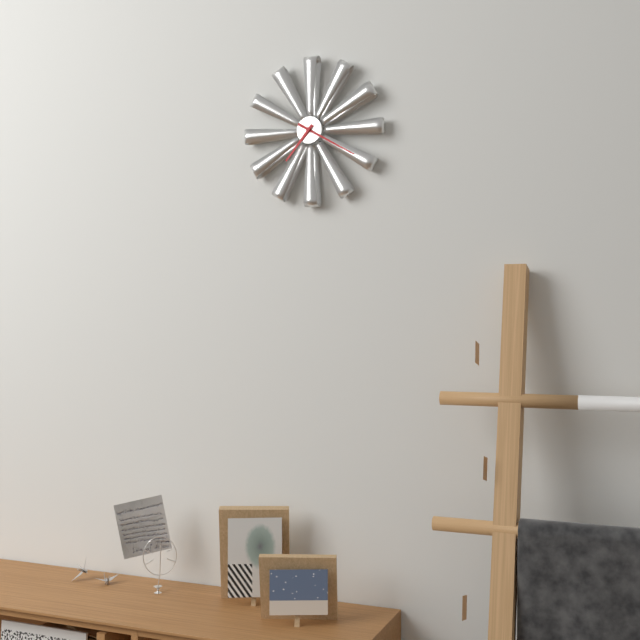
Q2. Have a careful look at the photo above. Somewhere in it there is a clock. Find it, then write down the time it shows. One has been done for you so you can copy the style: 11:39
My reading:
7:20
